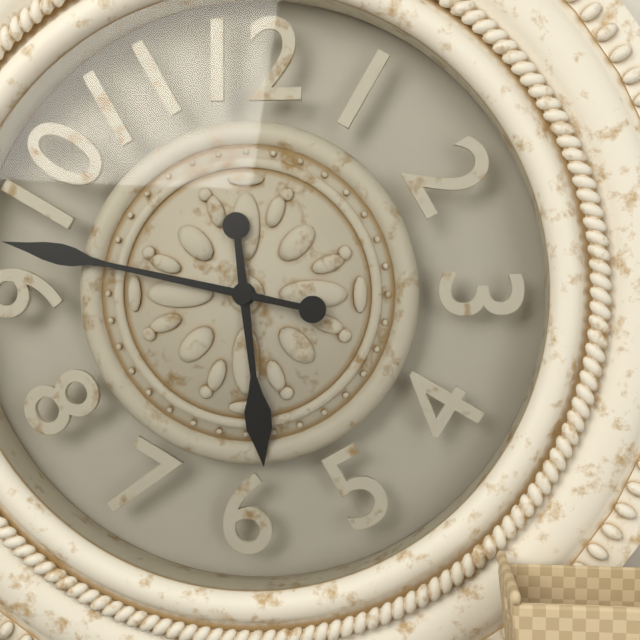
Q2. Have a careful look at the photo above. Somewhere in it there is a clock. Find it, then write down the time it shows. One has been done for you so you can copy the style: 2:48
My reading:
5:47
